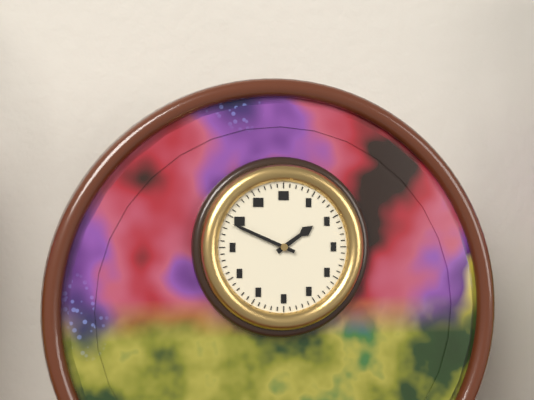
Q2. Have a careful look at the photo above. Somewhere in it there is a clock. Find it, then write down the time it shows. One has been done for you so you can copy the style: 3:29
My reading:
1:49
